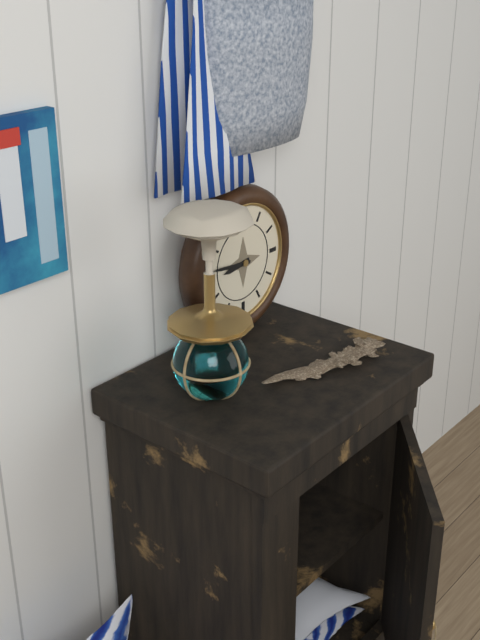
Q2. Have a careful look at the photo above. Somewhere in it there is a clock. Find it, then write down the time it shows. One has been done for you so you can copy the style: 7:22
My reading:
8:46
